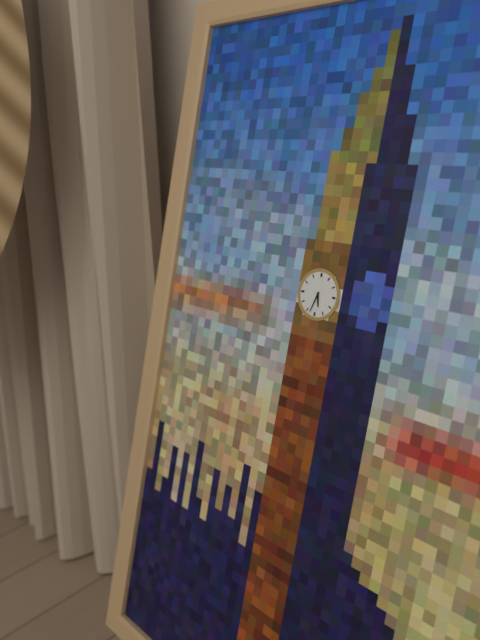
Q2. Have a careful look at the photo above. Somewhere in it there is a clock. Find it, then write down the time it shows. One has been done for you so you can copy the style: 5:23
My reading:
5:33
